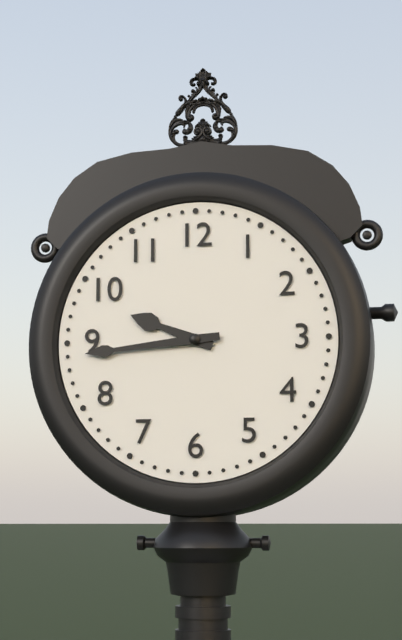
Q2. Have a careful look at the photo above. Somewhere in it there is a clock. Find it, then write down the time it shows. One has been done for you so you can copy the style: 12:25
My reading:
9:44
